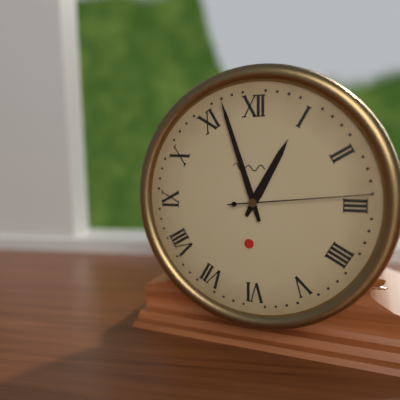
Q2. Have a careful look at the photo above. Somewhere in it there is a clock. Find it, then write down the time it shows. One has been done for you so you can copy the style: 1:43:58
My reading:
12:57:14
